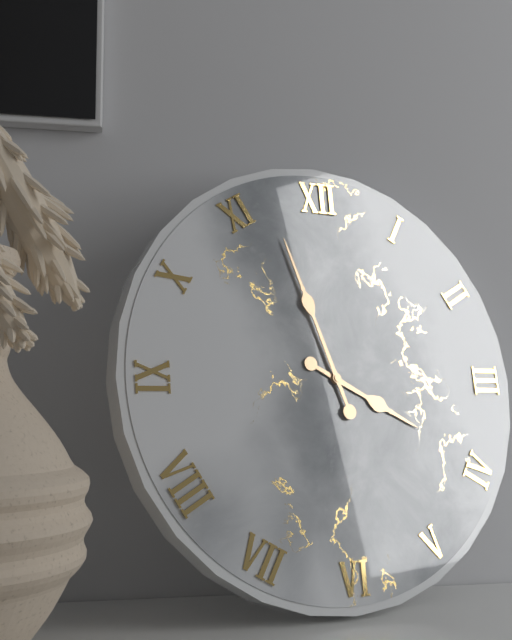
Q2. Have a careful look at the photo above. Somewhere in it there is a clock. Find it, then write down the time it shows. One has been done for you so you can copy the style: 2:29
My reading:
3:57
